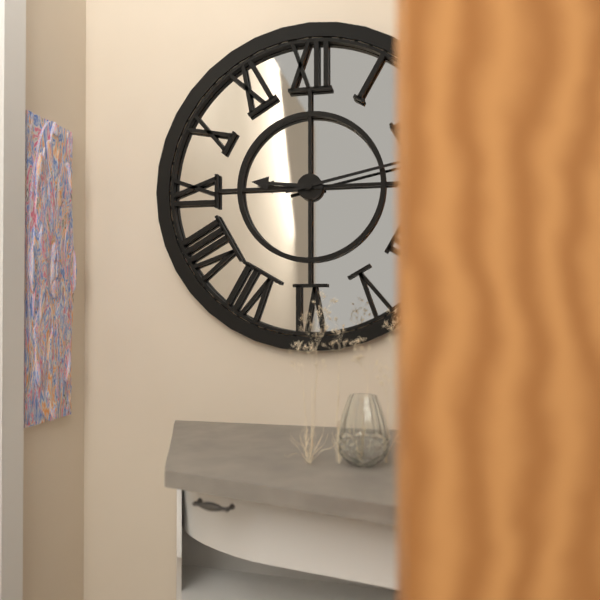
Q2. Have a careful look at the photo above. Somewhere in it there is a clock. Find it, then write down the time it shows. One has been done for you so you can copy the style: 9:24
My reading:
9:13
